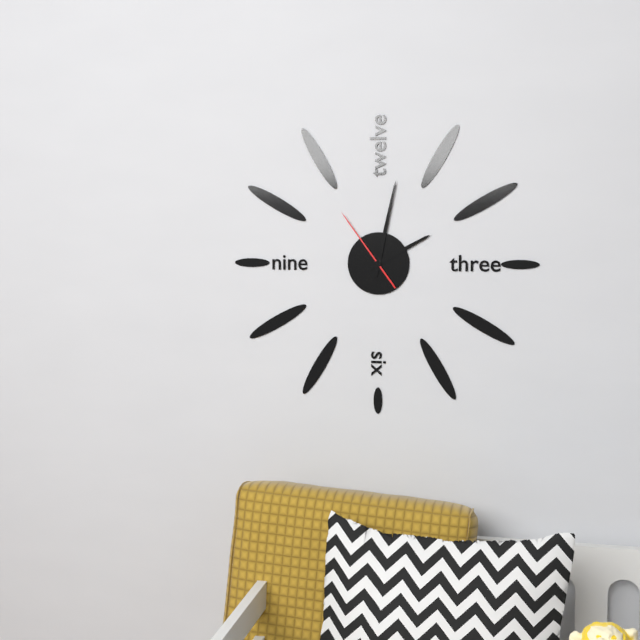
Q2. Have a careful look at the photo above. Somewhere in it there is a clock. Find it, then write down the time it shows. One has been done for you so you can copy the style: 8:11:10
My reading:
2:02:54
